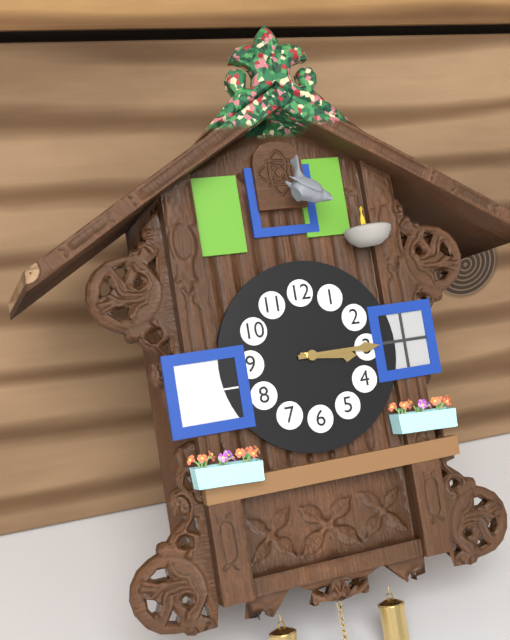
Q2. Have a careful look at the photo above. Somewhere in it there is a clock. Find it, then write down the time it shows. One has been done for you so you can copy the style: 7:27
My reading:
3:15
